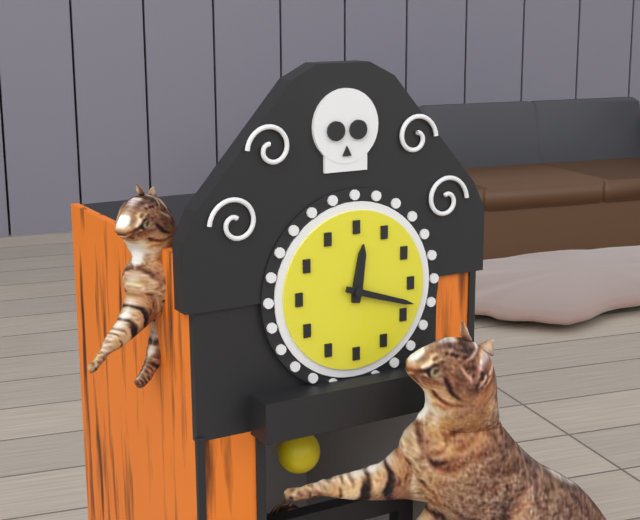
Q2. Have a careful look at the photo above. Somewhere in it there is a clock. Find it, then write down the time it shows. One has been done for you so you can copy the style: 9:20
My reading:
12:18
